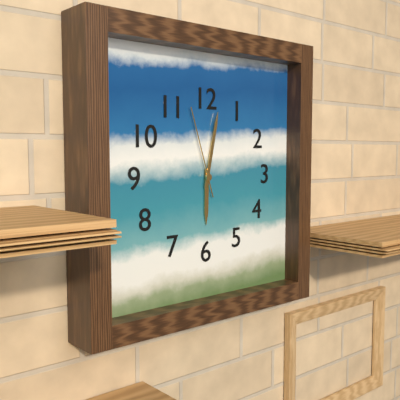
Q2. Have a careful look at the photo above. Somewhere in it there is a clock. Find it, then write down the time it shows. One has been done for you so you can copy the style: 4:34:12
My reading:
6:02:57
